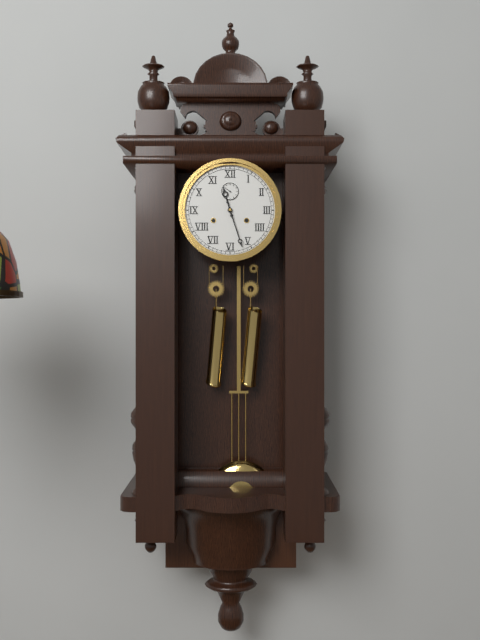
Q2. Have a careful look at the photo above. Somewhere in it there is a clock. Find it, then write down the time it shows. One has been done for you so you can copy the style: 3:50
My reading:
11:27
